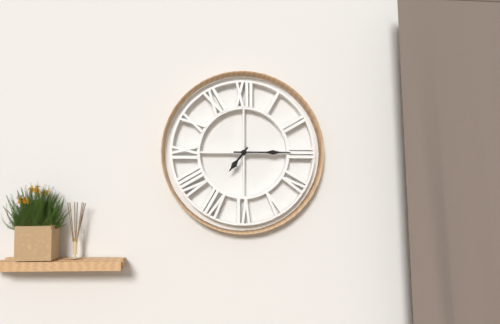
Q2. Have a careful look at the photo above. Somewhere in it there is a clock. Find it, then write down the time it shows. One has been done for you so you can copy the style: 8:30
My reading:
7:15
